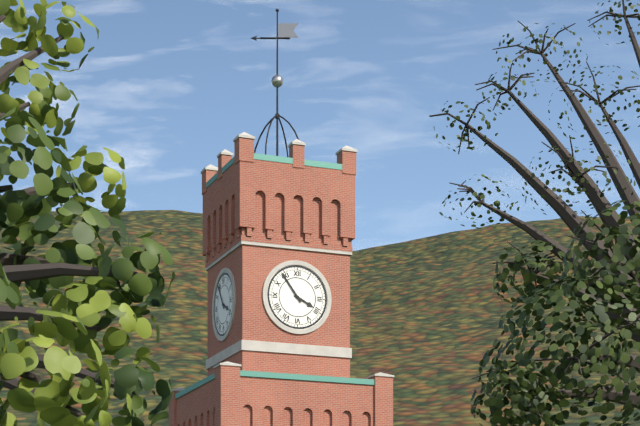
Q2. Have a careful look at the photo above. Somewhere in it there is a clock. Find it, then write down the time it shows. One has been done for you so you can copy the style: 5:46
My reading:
3:54
